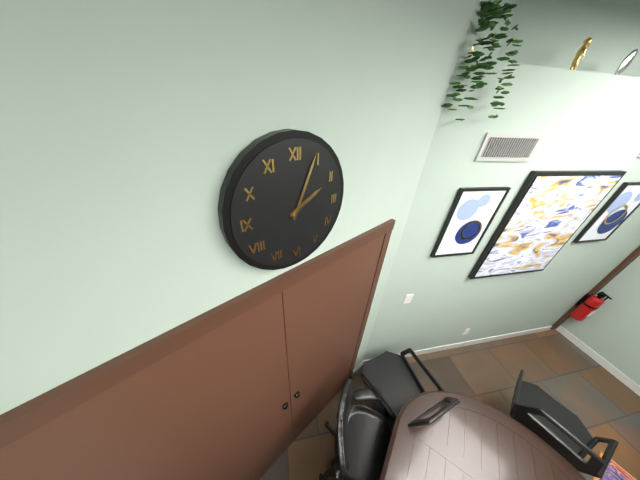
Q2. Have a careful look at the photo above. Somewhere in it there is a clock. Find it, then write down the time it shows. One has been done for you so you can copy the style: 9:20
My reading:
2:04
